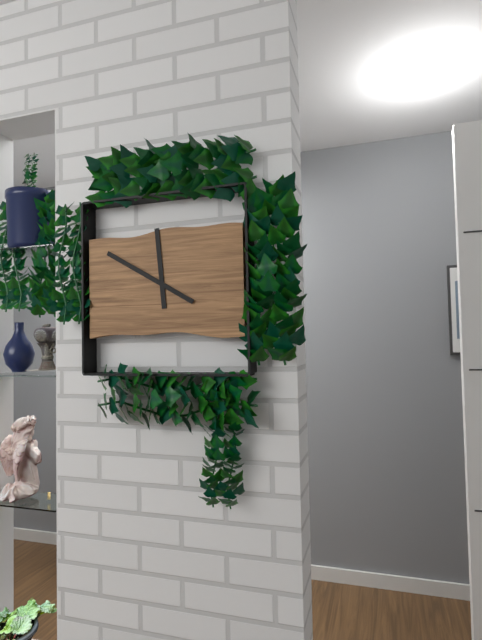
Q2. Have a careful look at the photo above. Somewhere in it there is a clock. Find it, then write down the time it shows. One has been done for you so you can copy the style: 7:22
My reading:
11:50
